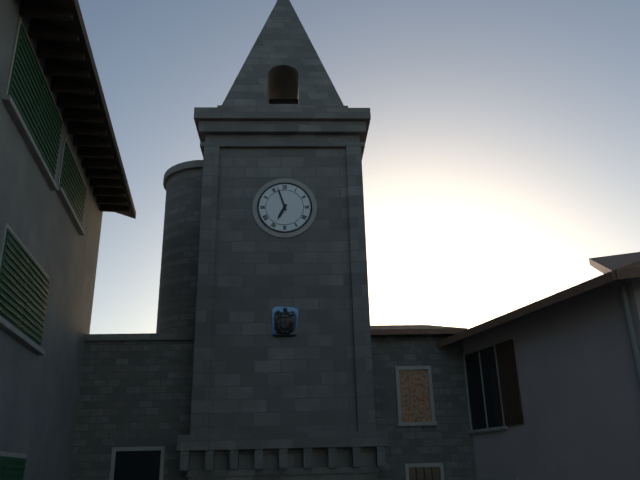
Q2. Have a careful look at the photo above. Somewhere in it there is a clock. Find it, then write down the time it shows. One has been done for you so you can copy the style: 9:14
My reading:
6:57
